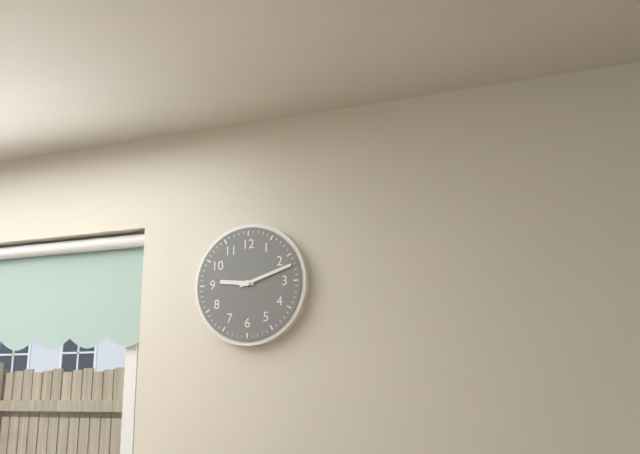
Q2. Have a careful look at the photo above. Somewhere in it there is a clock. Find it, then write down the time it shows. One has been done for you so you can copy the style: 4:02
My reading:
9:12
